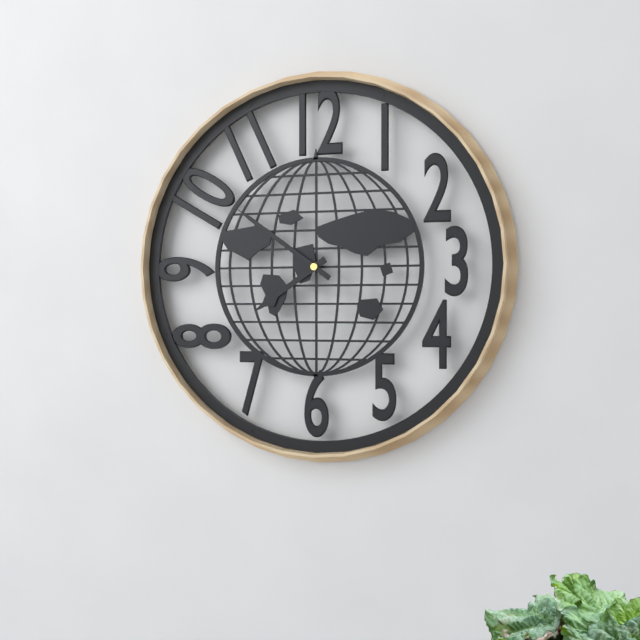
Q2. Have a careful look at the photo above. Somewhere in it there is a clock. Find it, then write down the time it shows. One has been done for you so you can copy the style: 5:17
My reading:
7:51
